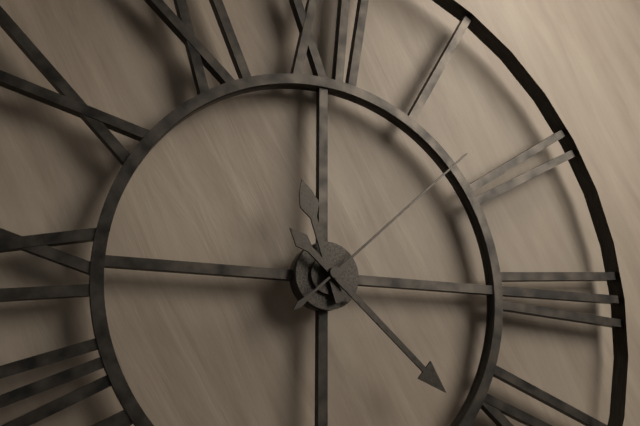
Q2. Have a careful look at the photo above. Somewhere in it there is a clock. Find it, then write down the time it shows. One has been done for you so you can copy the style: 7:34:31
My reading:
11:22:08
